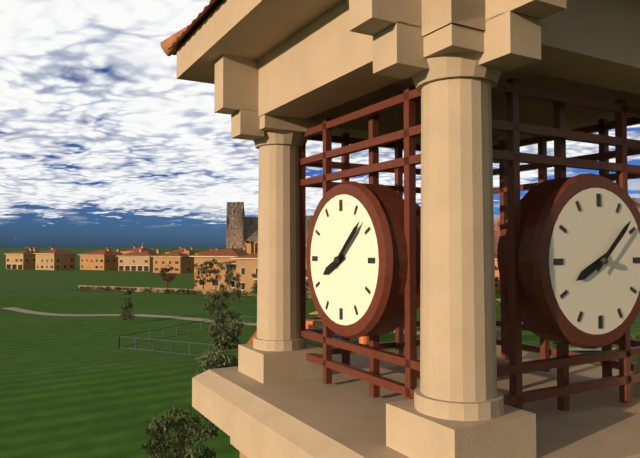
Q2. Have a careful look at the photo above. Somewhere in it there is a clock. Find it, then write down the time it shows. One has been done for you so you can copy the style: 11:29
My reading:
8:08
